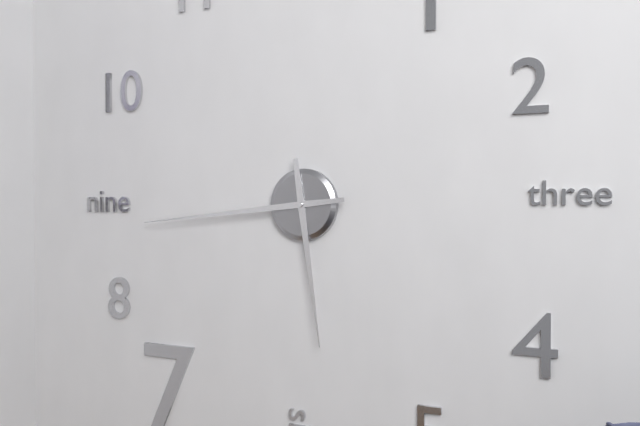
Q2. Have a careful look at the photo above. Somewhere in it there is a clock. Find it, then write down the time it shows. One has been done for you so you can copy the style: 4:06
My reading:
5:44
